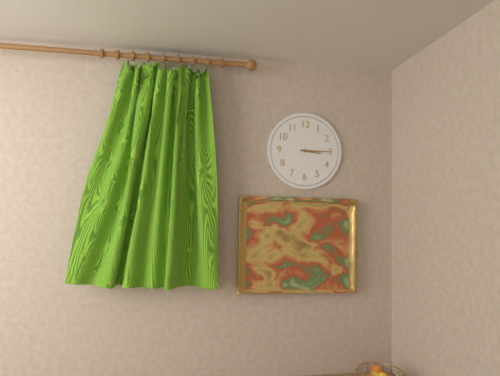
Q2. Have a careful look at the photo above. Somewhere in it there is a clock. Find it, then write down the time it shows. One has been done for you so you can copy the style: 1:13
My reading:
3:15
